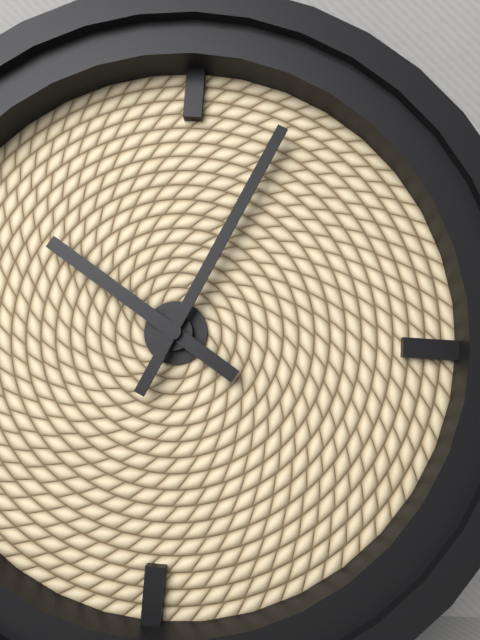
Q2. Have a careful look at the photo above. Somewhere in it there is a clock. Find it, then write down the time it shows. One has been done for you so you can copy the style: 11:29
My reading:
10:04
